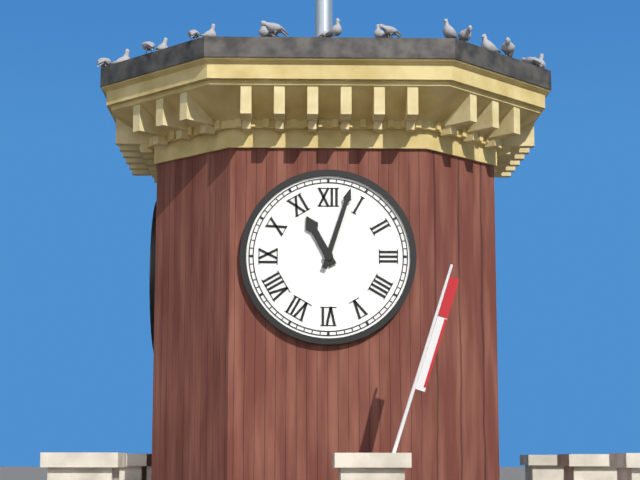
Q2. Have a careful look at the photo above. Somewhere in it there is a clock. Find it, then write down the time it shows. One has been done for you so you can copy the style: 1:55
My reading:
11:03
